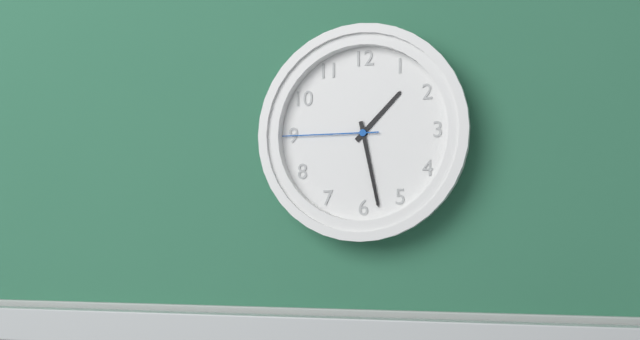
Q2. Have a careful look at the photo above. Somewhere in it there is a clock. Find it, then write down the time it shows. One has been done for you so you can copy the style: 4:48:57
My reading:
1:28:45
